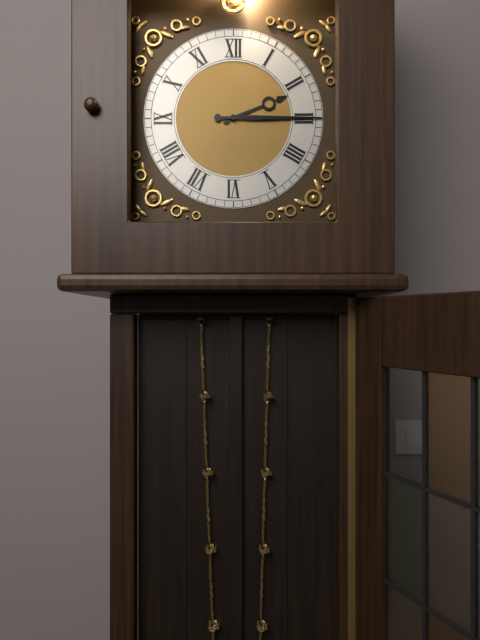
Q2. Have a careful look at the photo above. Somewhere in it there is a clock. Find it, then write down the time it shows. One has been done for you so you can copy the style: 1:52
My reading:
2:15
